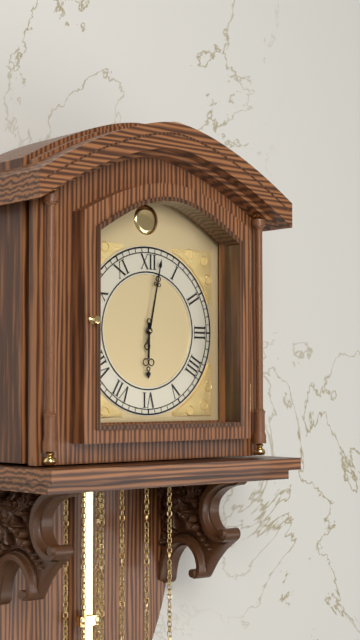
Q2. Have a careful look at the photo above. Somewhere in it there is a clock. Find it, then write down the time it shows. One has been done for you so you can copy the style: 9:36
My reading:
6:02
